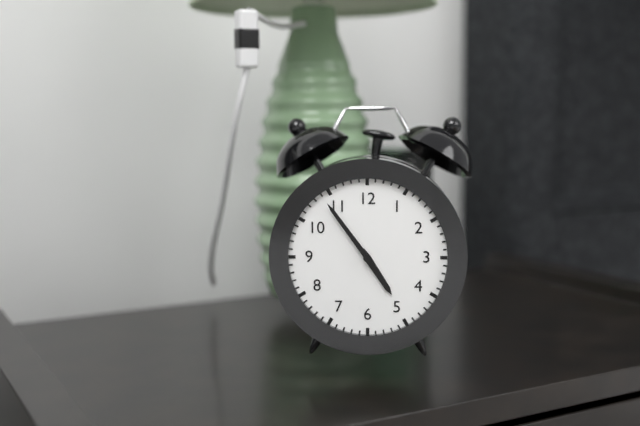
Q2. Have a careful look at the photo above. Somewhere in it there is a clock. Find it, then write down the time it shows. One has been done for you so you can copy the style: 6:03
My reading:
4:54
